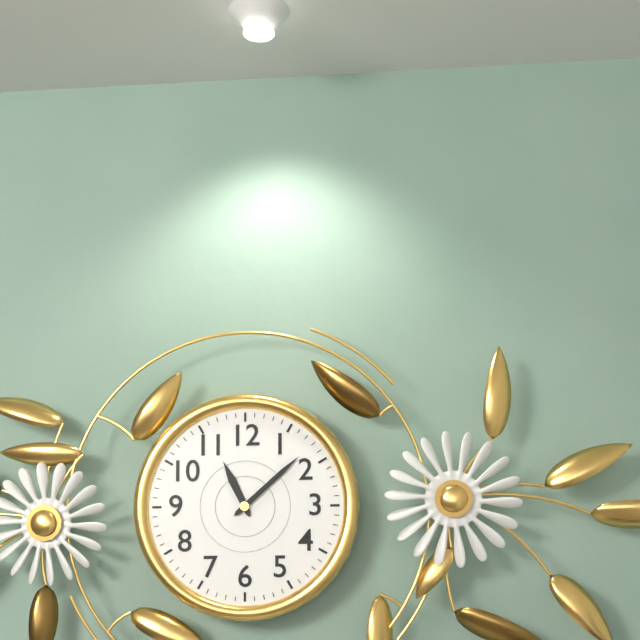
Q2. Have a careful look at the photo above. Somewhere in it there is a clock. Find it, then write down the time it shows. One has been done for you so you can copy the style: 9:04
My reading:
11:08
